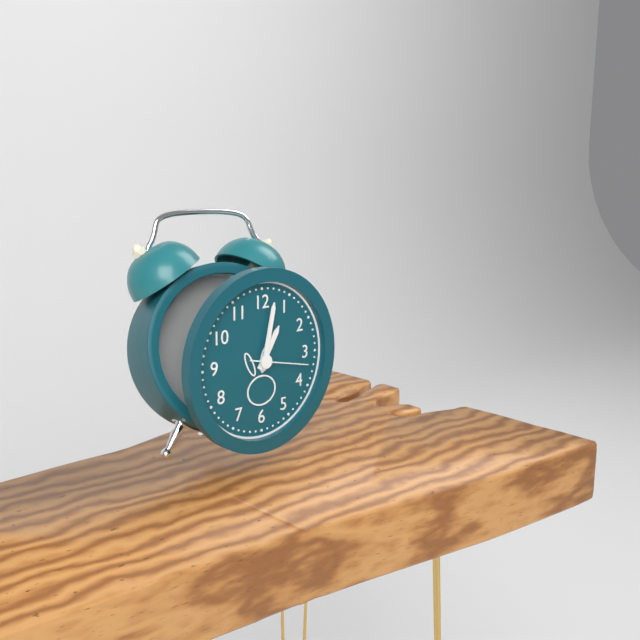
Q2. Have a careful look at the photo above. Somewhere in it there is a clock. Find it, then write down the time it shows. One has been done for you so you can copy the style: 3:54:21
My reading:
1:02:17
